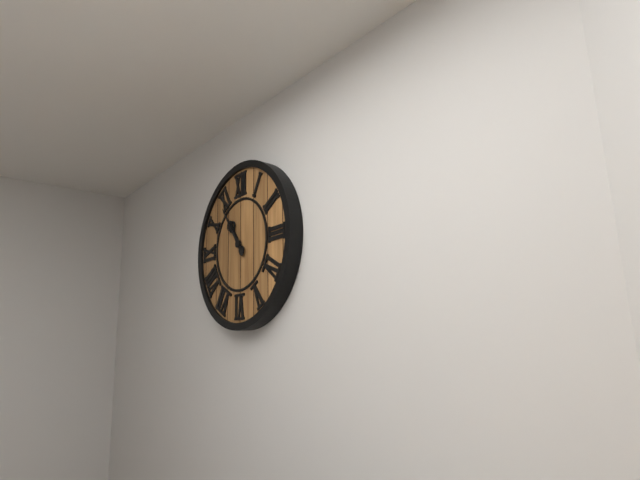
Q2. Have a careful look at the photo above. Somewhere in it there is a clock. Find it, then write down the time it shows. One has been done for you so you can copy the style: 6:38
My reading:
10:54
